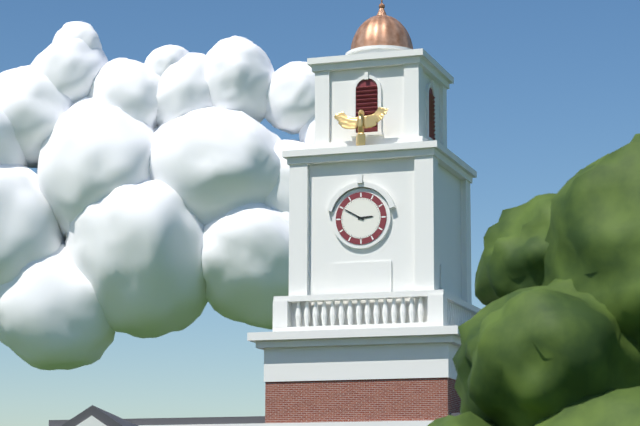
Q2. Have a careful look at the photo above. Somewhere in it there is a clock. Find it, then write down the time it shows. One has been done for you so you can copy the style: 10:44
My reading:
2:50
